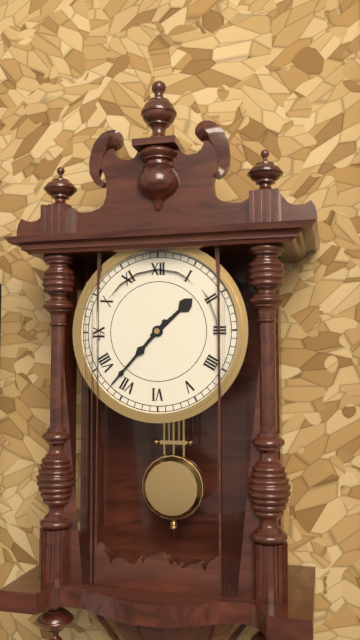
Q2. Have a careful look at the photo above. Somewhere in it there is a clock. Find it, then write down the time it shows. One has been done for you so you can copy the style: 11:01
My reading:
1:37
